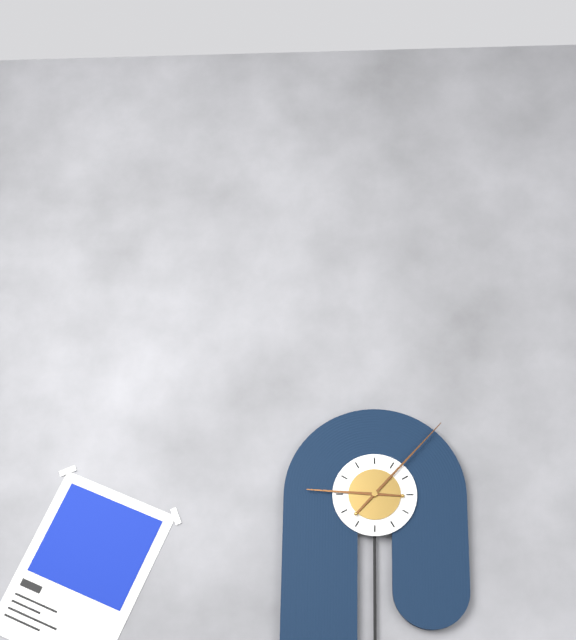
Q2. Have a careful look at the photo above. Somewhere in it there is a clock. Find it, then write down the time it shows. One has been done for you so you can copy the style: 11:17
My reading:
9:07
